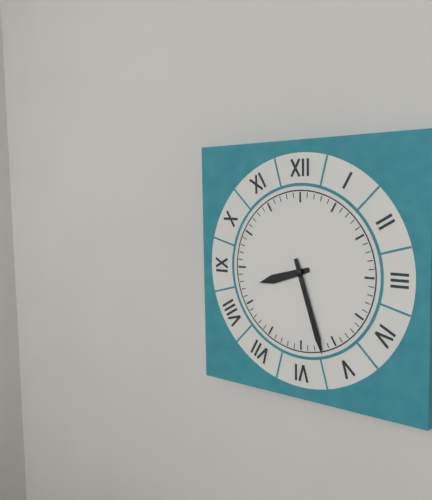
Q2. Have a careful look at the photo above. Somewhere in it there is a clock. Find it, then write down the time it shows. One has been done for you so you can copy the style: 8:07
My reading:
8:27
